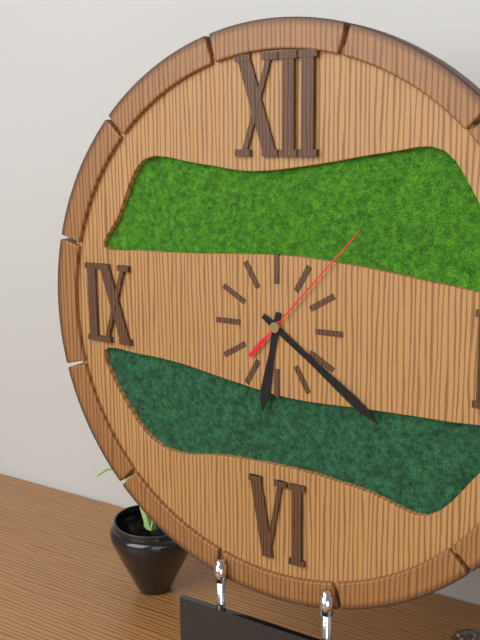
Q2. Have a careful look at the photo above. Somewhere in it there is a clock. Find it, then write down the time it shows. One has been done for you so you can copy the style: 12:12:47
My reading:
6:21:07
